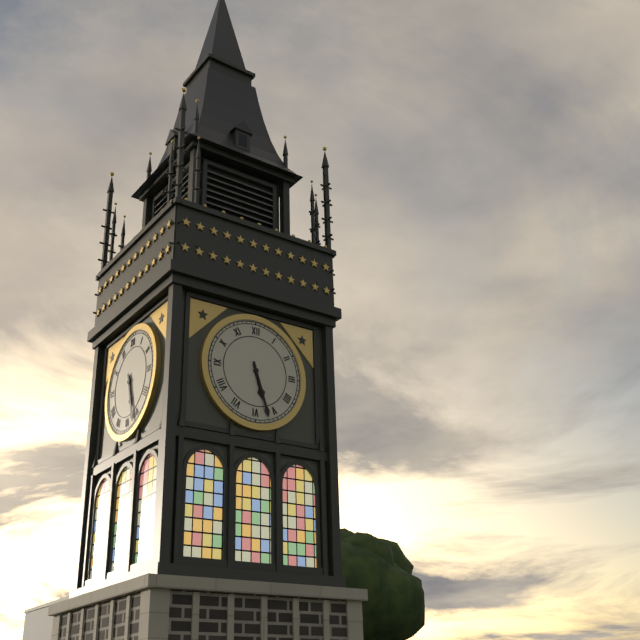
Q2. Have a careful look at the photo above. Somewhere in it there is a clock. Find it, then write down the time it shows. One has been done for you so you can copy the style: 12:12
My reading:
5:27
